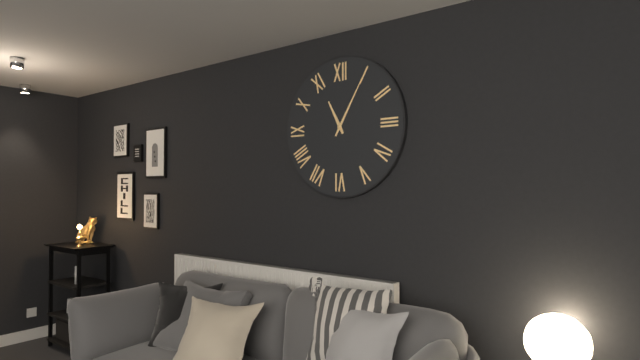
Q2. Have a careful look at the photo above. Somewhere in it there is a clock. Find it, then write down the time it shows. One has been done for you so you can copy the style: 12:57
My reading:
11:05
